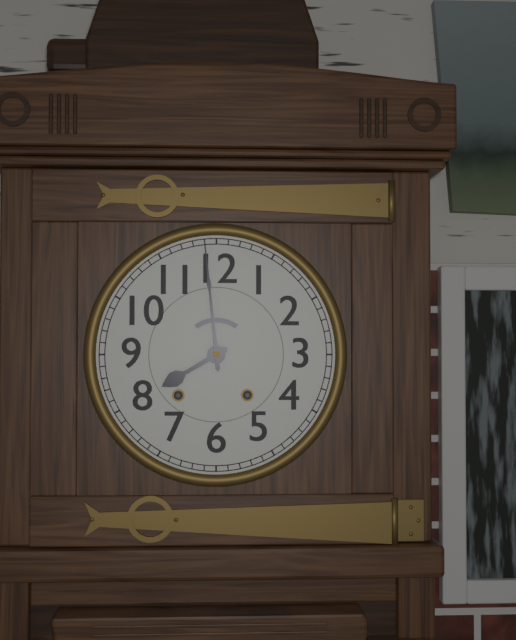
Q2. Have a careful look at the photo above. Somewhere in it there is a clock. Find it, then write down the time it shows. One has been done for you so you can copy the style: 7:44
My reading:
7:59
